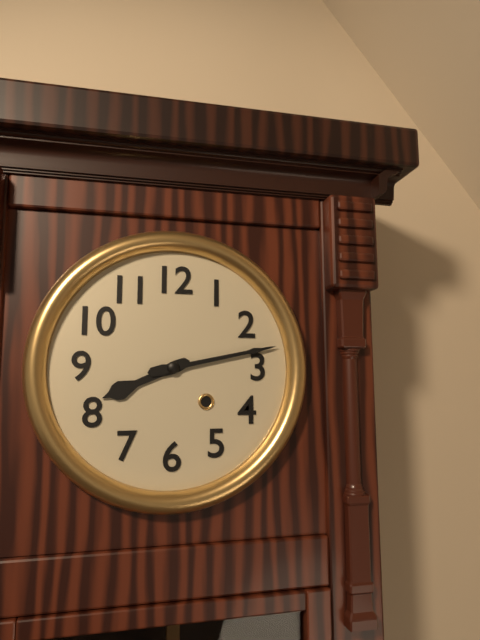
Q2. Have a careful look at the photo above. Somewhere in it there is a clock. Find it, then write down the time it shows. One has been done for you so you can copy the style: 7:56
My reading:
8:13
